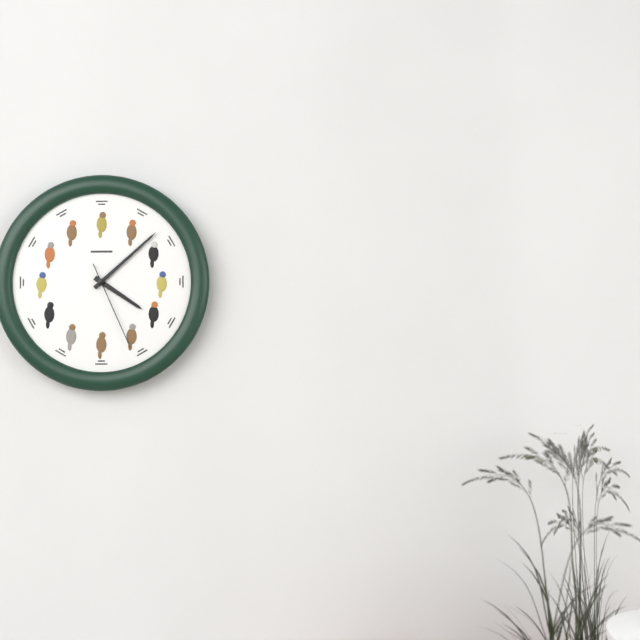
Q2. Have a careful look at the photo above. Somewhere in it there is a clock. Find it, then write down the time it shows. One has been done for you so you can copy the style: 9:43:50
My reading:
4:08:26
